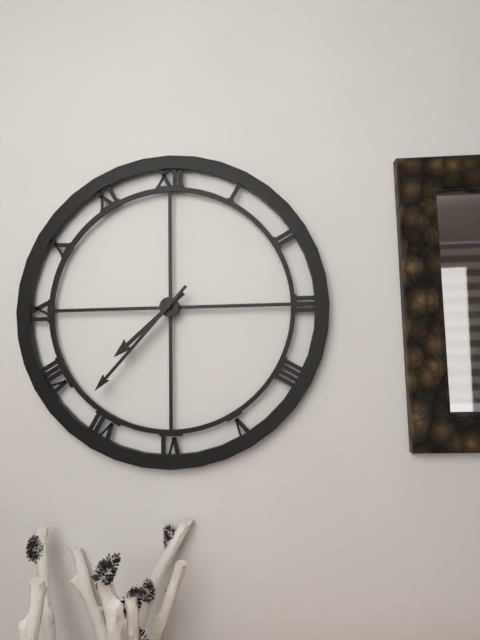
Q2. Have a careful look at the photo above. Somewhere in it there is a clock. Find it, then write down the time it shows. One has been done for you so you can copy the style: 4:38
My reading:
7:37
